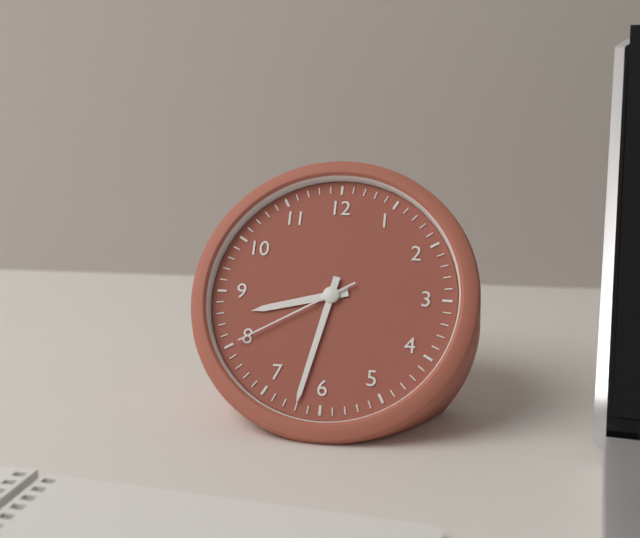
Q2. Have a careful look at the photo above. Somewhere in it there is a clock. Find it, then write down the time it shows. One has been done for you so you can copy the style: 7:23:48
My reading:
8:32:40
